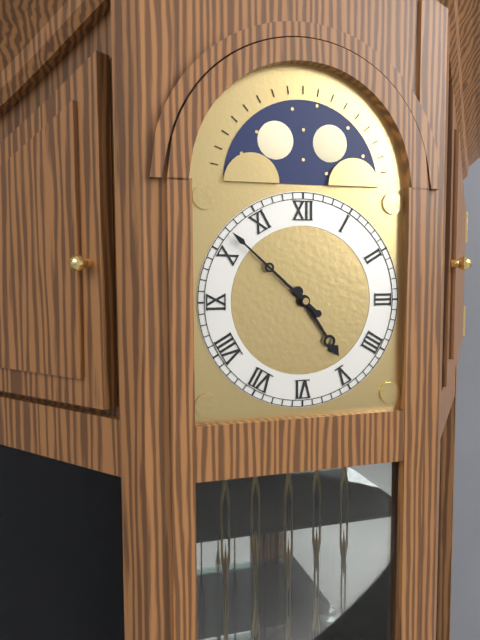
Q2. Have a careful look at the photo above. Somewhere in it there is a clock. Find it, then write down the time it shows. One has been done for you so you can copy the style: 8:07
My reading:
4:52
